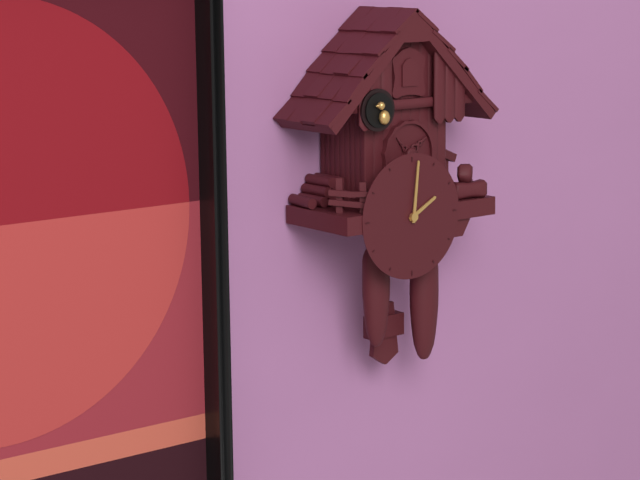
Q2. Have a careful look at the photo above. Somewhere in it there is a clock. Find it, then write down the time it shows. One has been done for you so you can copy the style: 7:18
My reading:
2:01
